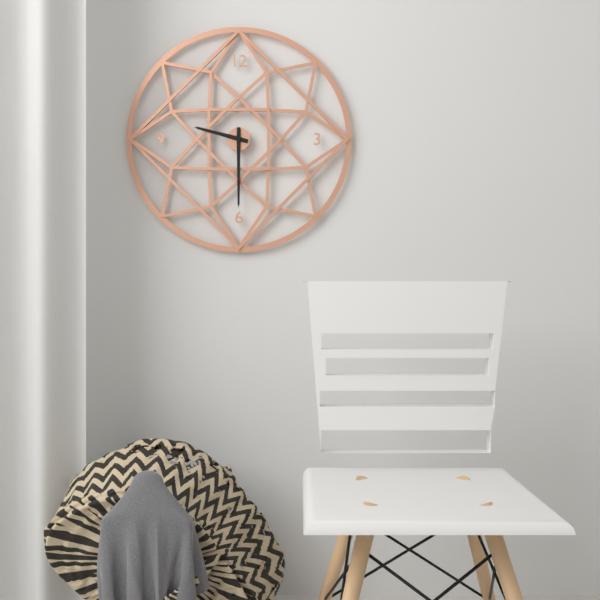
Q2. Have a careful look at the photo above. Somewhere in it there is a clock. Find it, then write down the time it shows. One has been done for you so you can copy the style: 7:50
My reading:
9:30
